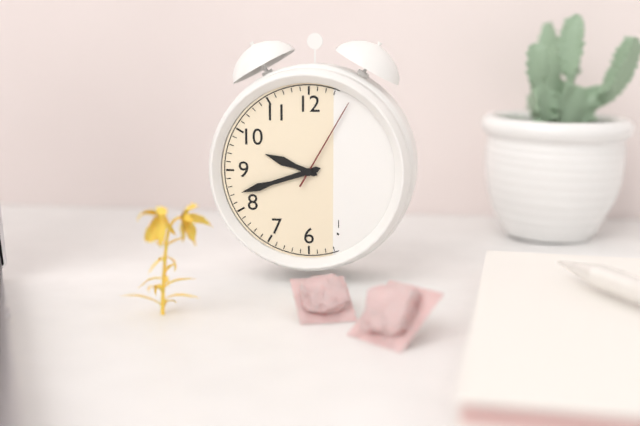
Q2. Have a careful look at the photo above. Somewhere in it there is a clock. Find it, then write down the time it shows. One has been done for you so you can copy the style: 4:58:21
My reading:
9:42:05
